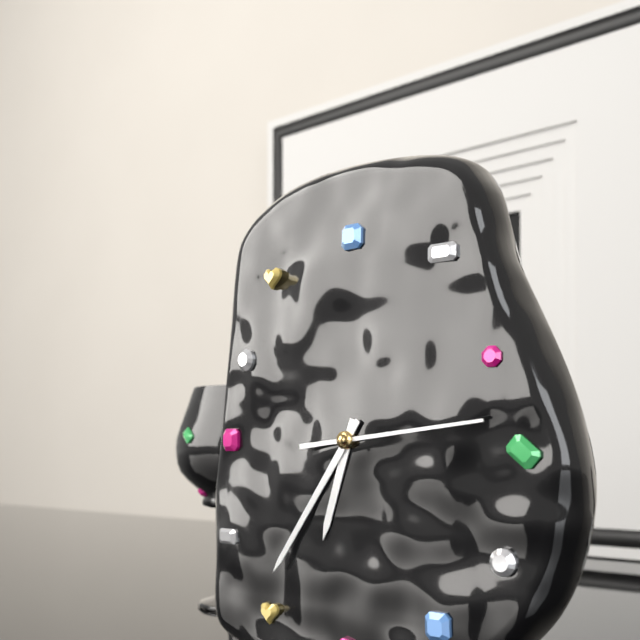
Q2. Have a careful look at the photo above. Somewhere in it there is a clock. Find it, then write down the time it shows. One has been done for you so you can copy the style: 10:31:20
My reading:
6:36:14
